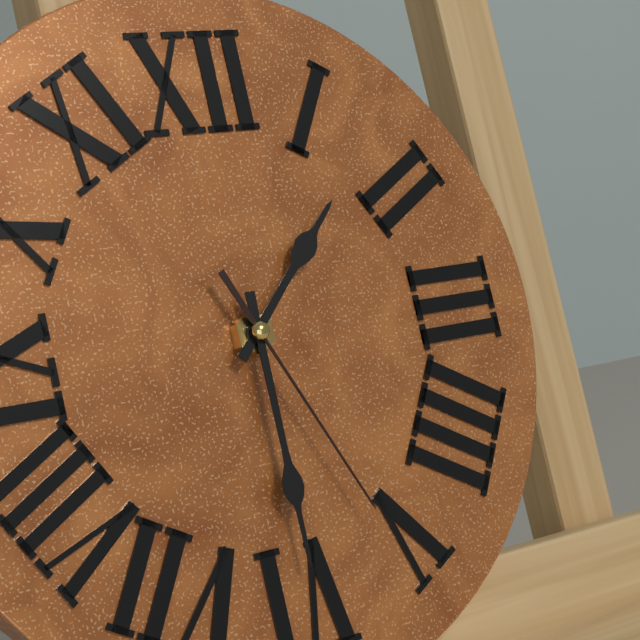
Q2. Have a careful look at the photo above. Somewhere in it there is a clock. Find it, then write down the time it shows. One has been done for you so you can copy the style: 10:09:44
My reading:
1:30:26
